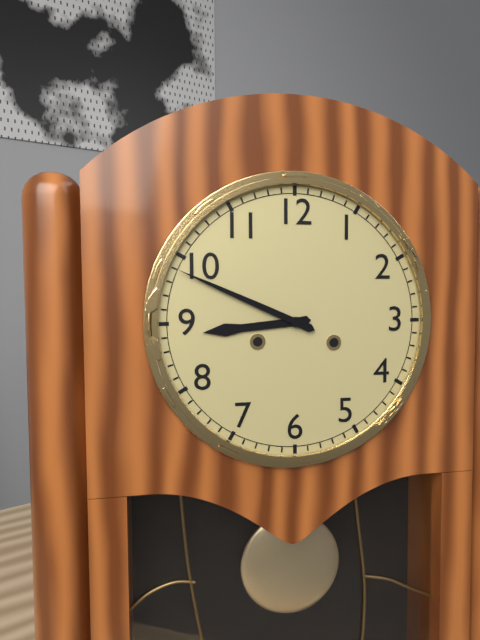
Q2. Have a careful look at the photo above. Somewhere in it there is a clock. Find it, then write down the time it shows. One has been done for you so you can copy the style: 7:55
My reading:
8:49
